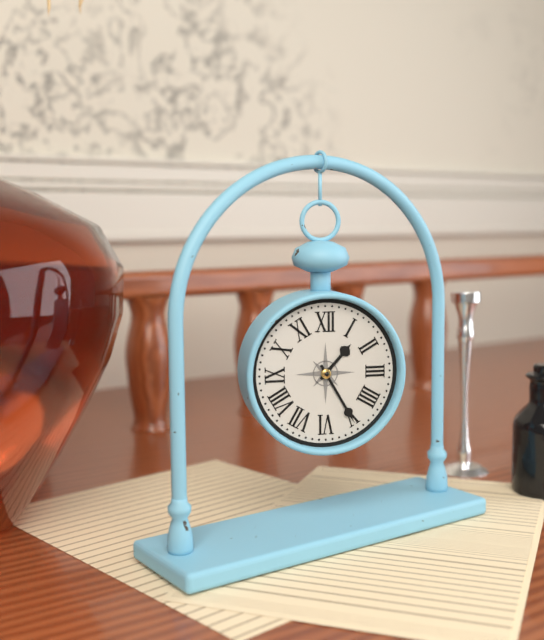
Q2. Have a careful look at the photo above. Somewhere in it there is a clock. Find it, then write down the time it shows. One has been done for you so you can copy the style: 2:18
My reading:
1:25
